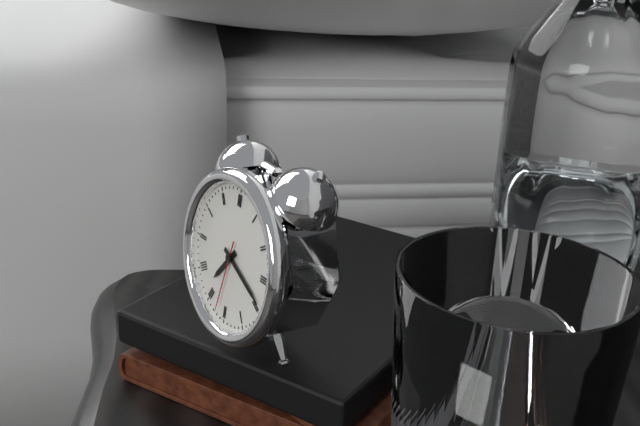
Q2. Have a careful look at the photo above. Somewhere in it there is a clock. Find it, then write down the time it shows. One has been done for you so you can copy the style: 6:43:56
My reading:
7:19:32
